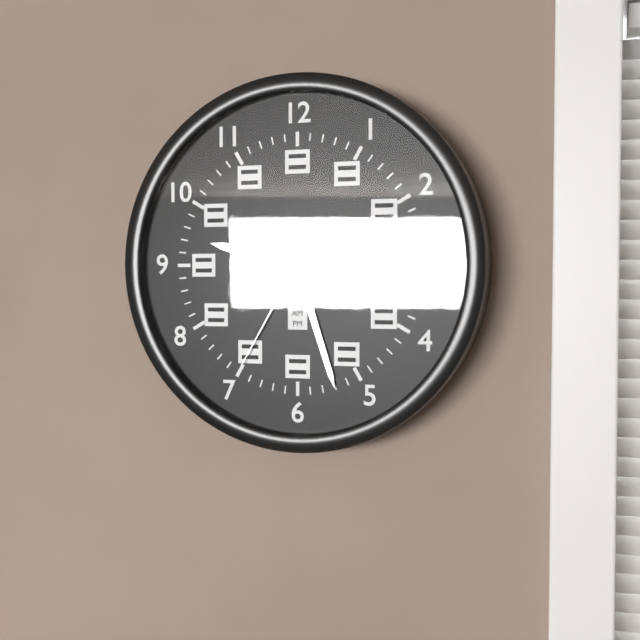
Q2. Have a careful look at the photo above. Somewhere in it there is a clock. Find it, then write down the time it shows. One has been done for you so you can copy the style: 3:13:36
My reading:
9:27:35
